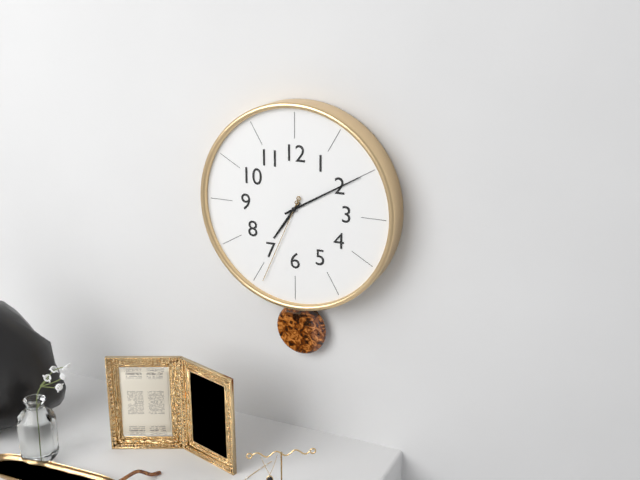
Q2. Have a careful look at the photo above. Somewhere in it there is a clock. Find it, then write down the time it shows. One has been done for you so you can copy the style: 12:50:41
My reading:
7:10:34
